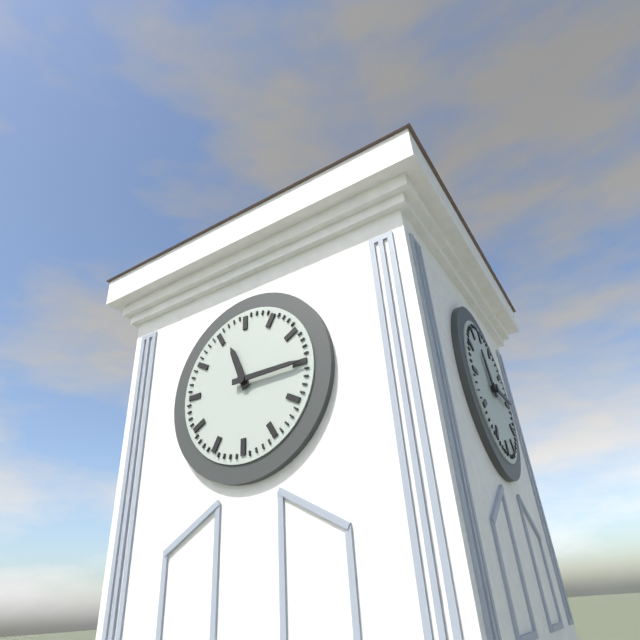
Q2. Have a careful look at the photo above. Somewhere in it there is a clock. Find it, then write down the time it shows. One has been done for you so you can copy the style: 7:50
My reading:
11:15
